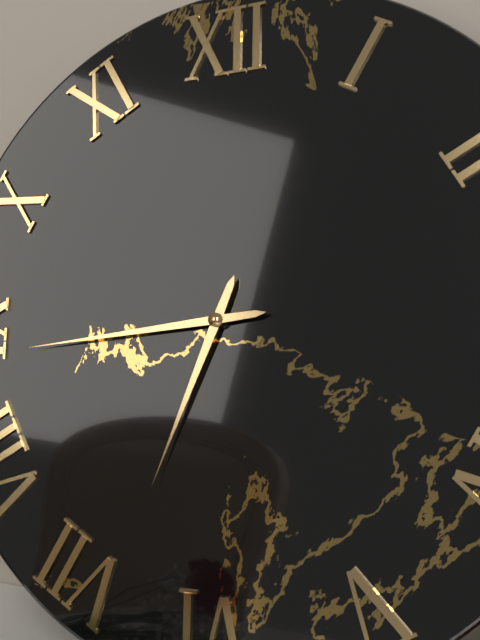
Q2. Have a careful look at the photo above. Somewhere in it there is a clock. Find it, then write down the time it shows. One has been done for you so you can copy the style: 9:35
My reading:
6:44
